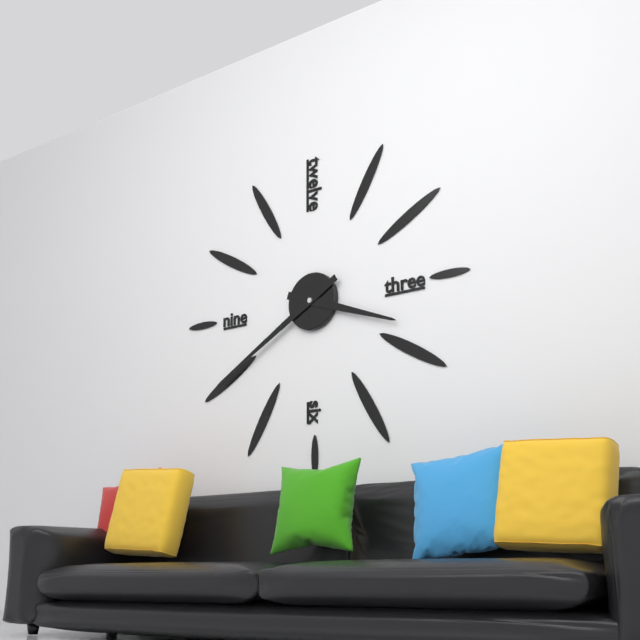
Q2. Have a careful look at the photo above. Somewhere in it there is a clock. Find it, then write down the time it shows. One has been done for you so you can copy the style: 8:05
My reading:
3:40
